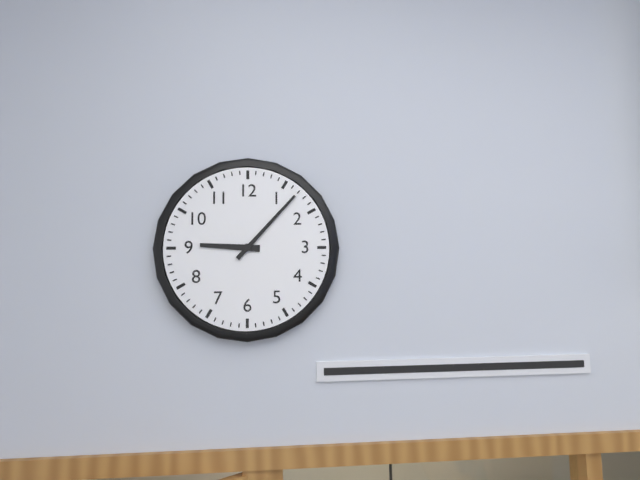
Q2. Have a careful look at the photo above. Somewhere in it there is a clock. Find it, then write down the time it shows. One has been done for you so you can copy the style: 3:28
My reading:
9:07
